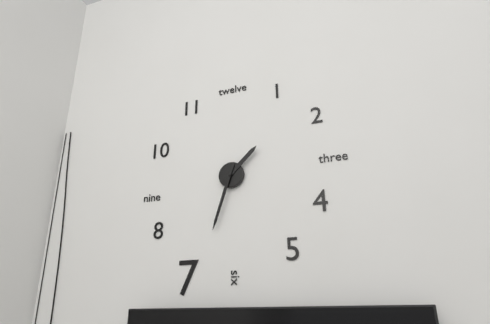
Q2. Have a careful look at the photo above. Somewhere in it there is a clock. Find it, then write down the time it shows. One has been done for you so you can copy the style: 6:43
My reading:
1:33
